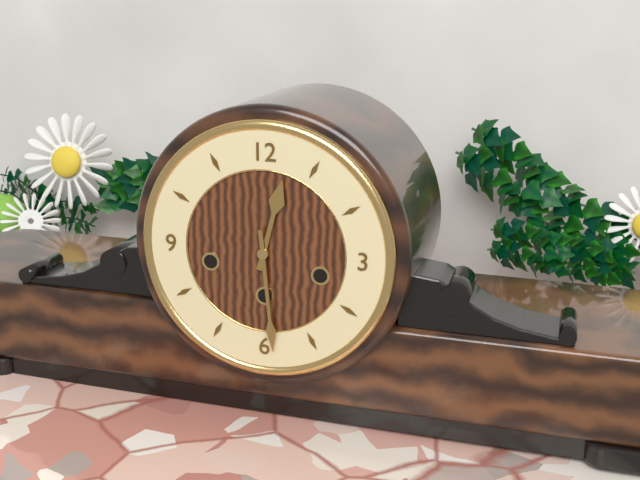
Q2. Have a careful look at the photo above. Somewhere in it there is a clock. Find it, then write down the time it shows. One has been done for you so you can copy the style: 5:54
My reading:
12:29
